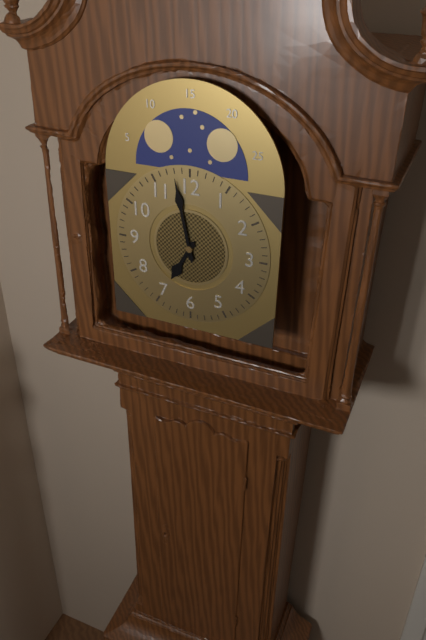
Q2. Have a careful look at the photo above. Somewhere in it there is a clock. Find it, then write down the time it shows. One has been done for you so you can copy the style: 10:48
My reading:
6:58
